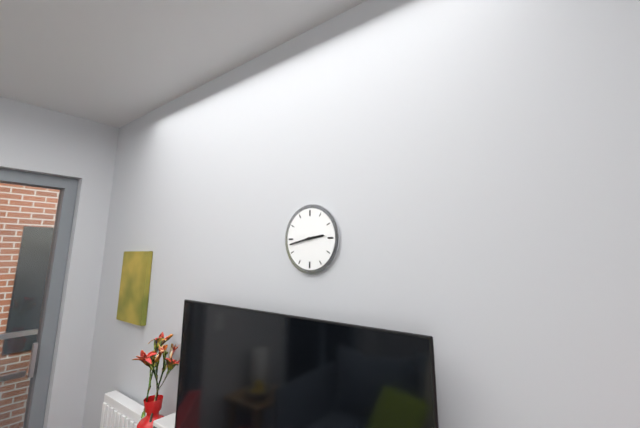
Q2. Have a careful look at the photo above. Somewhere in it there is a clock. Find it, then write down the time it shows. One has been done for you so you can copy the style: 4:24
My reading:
2:43
